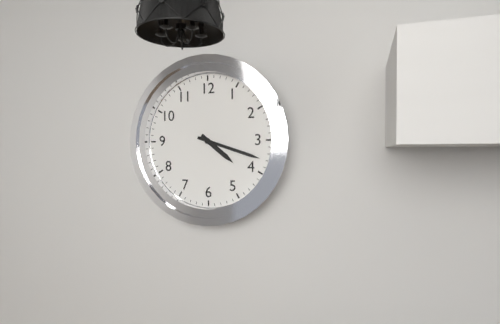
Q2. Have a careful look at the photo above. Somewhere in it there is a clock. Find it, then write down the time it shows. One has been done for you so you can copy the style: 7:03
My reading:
4:18
